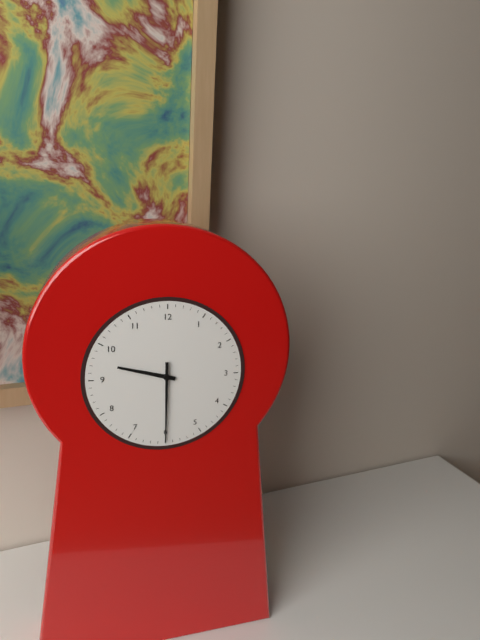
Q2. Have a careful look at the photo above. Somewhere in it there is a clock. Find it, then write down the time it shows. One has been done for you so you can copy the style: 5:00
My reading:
9:30
